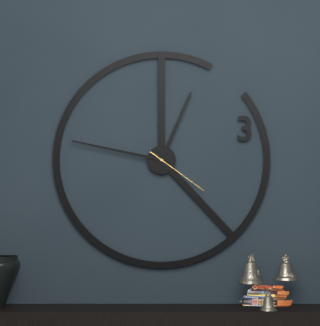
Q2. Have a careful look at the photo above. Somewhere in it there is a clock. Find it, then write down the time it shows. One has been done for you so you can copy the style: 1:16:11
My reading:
12:47:21
